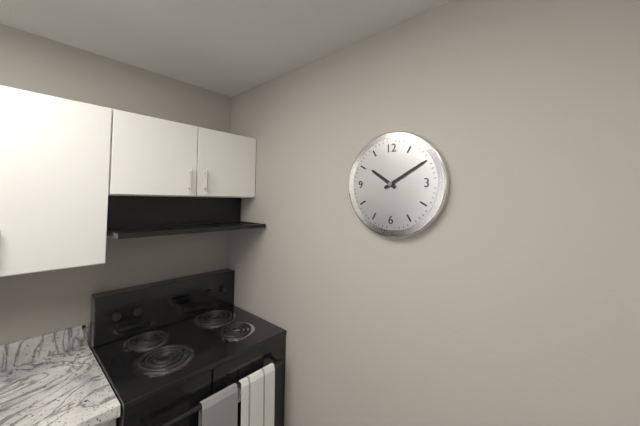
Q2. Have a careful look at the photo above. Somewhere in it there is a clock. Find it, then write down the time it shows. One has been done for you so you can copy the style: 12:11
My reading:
10:10
